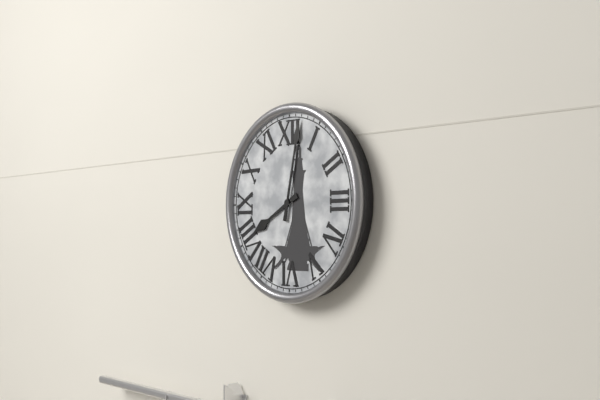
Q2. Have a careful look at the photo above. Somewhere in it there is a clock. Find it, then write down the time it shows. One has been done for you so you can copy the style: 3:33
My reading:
8:02
